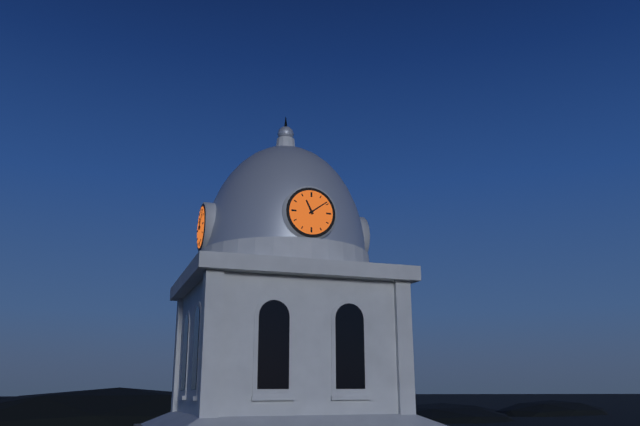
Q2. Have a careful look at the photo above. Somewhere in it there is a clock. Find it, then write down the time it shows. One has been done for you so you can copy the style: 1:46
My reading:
11:09
